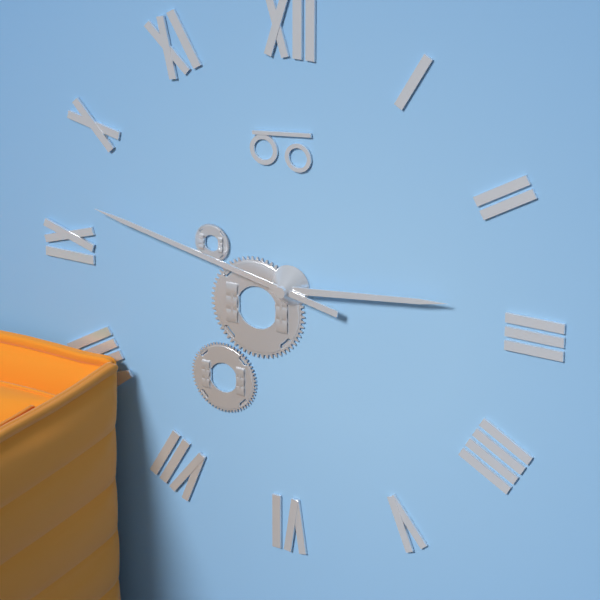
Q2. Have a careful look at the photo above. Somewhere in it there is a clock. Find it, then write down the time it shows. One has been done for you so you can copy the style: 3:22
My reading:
2:47
